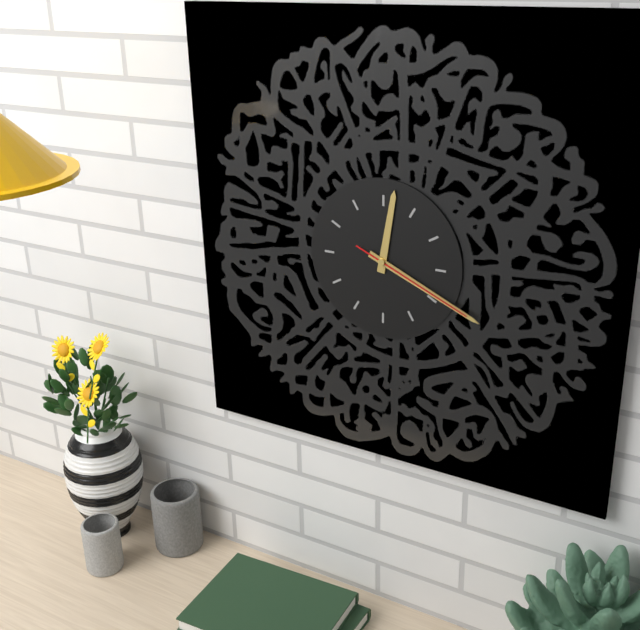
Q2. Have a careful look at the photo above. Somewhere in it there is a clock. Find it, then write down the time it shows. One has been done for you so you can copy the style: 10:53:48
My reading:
12:19:19
